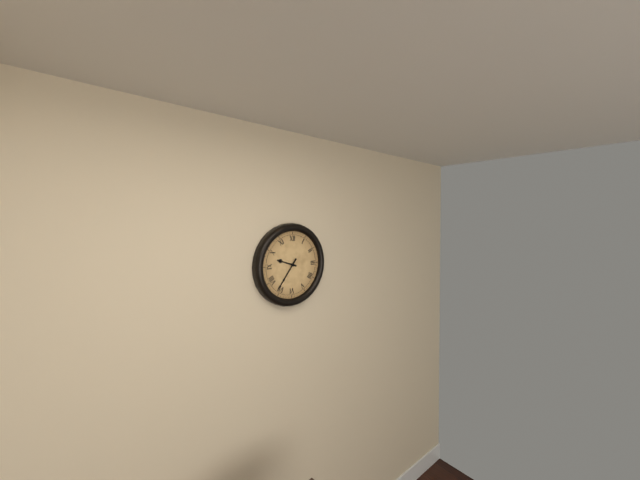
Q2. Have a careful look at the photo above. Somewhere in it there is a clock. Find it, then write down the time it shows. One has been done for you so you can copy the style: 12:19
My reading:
9:36
